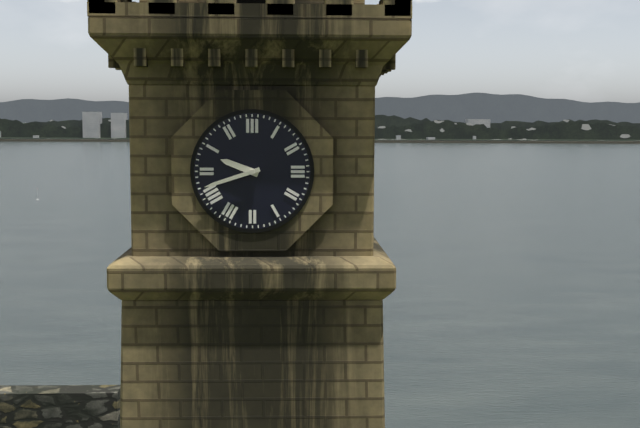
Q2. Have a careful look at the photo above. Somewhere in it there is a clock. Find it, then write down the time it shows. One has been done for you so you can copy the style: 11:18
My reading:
9:42
